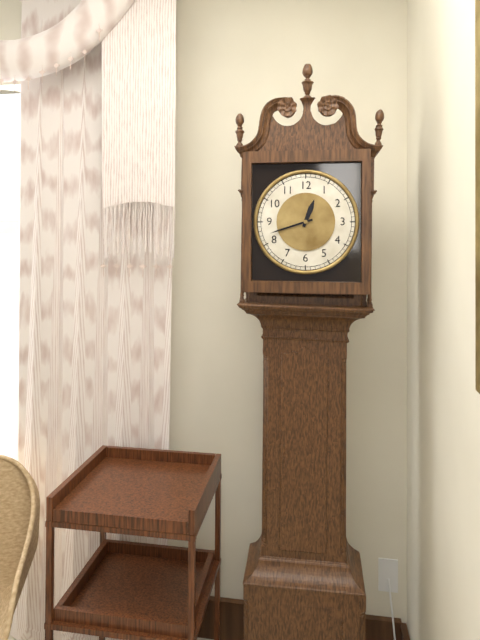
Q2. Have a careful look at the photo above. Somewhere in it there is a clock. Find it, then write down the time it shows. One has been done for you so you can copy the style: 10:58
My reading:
12:42
